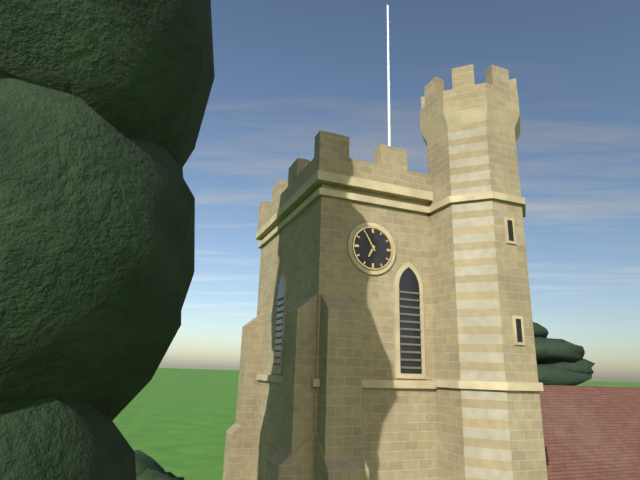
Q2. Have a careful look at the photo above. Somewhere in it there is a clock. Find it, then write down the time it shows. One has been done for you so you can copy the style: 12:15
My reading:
6:55
